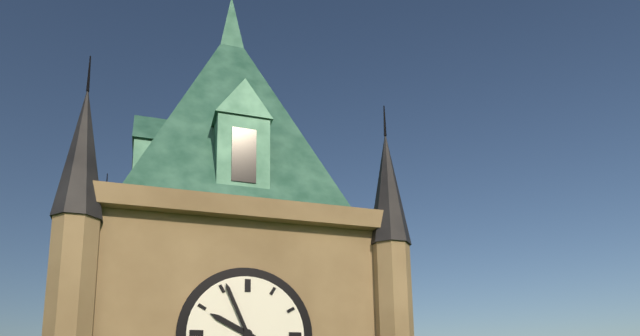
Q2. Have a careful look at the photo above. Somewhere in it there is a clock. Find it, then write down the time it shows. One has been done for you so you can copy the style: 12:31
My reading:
9:56
